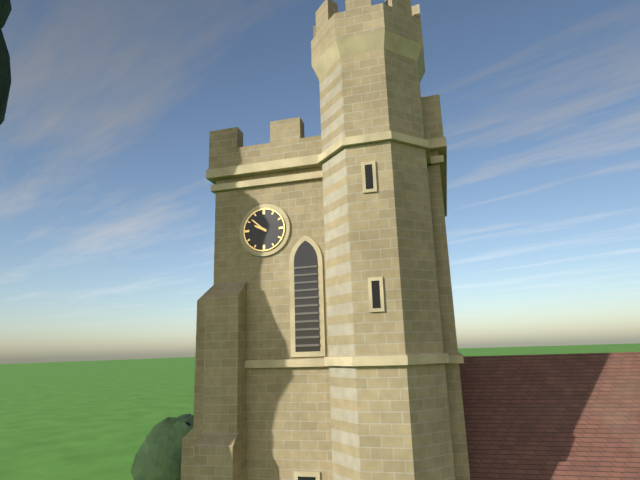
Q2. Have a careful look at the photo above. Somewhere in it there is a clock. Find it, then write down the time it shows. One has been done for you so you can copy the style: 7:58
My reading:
9:52
